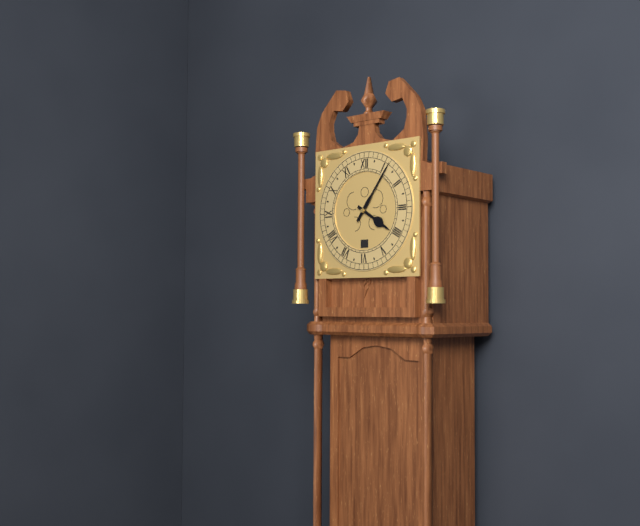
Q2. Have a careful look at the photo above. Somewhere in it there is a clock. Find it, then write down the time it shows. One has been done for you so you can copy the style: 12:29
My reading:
4:06
